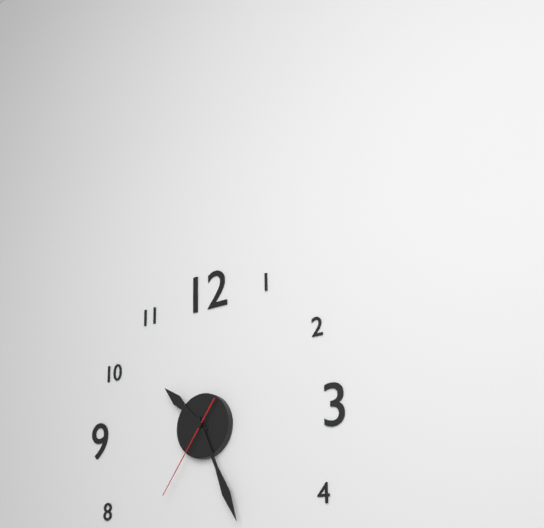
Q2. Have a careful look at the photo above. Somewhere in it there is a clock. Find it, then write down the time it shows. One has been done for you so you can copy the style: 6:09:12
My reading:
10:26:36
